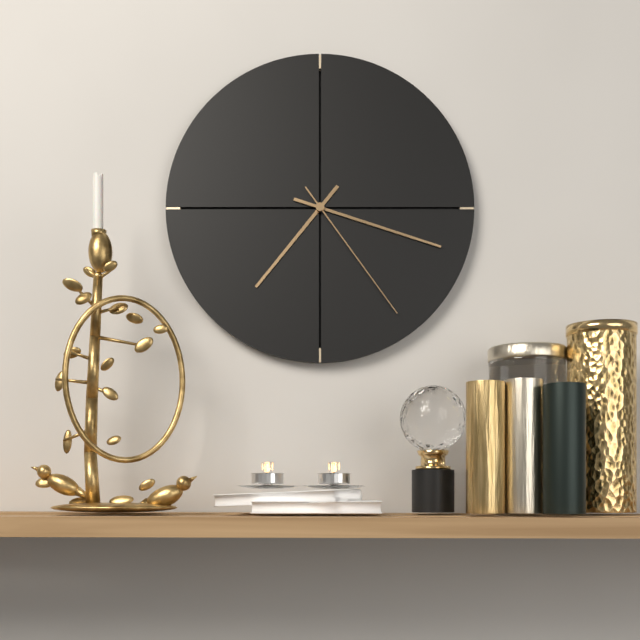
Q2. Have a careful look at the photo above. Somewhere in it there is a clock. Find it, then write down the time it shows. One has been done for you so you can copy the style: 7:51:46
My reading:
7:18:24
